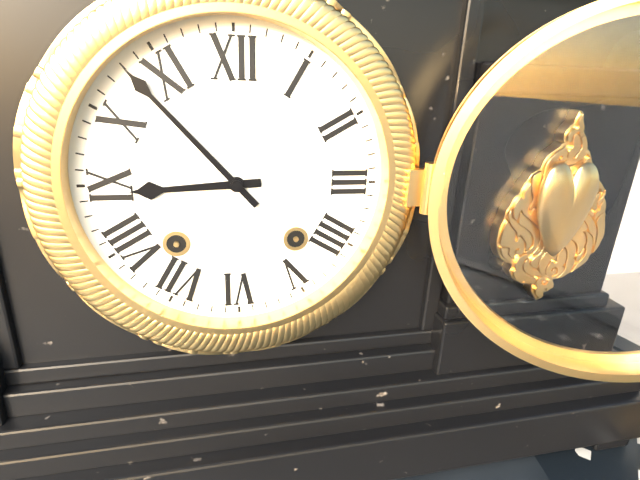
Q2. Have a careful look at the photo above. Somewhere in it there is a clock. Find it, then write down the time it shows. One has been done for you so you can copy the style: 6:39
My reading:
8:53
